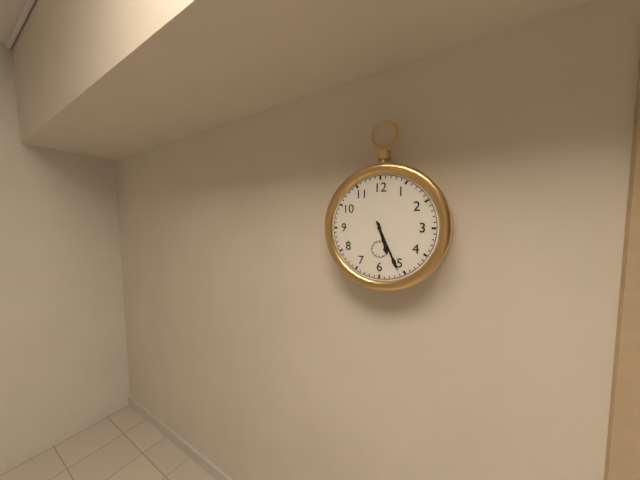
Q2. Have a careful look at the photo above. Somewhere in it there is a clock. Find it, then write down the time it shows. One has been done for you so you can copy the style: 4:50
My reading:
5:26
